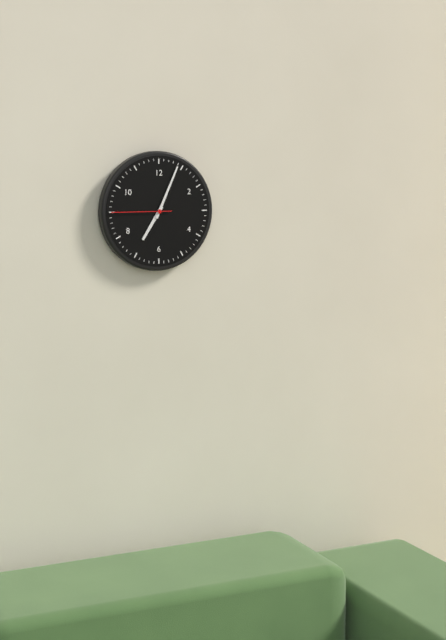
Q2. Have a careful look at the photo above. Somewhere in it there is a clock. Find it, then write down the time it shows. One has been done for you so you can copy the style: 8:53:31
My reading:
7:04:45
